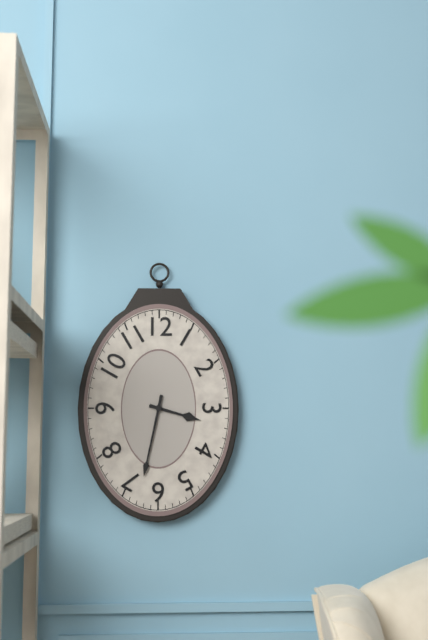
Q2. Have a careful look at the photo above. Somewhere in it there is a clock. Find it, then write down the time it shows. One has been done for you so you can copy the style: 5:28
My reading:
3:32
